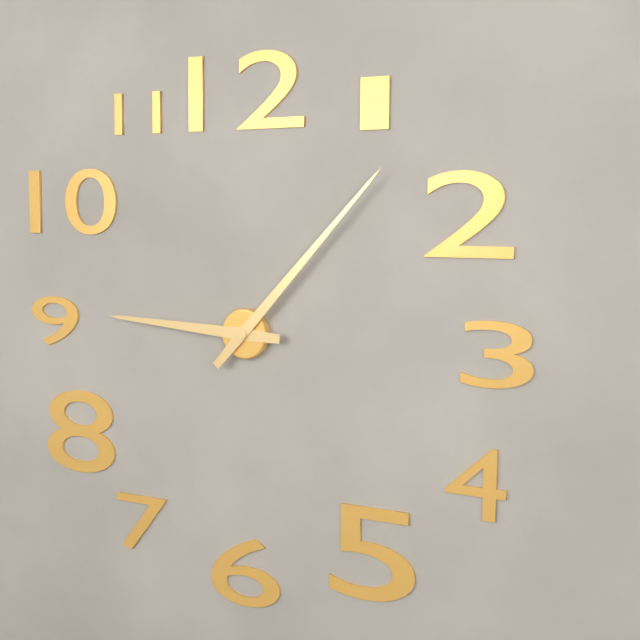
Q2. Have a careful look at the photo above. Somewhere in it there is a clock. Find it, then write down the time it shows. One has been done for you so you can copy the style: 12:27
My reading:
9:07
